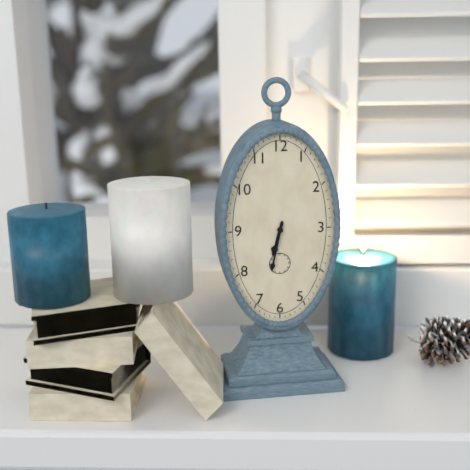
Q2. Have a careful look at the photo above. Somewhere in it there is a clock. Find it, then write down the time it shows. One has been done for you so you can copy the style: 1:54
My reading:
6:32
